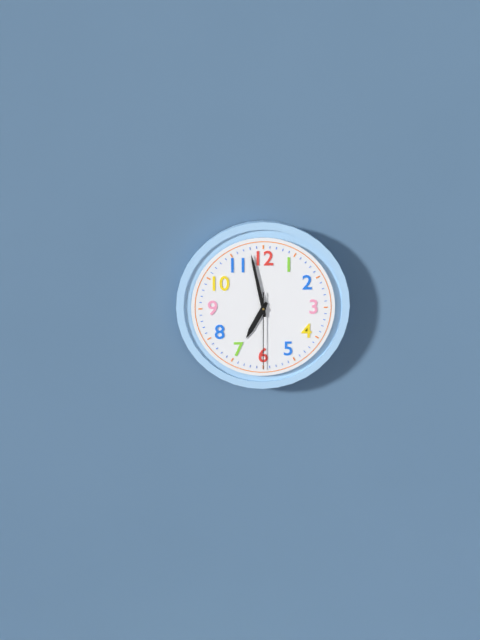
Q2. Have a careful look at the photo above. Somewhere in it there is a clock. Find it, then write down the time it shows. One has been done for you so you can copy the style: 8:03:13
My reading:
6:58:30
